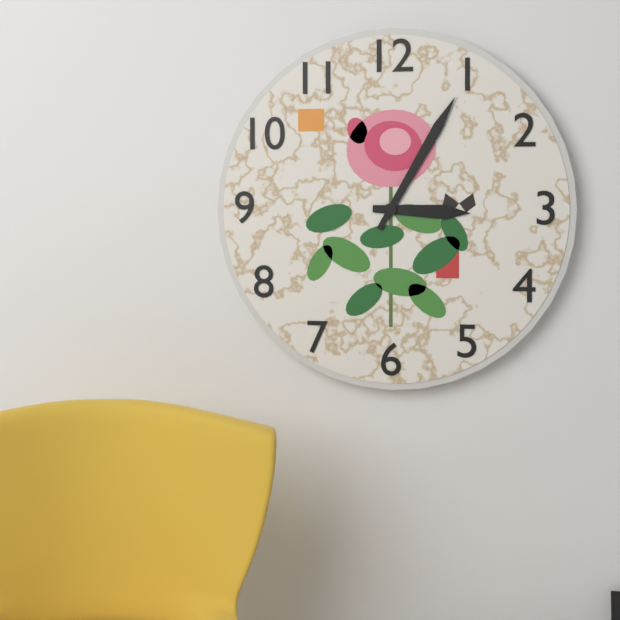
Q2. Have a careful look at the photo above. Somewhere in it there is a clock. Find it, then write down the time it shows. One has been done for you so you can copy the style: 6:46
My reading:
3:05
